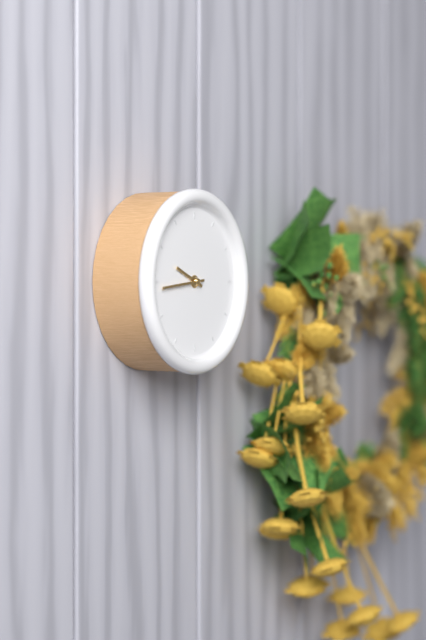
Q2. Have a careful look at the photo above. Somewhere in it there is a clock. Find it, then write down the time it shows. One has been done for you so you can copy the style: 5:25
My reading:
9:44
